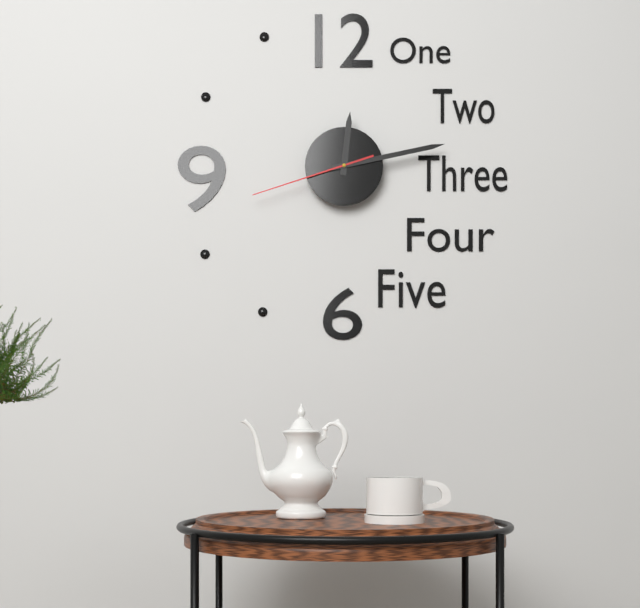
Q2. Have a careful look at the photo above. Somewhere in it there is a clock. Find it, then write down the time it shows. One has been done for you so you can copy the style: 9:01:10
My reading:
12:13:42
